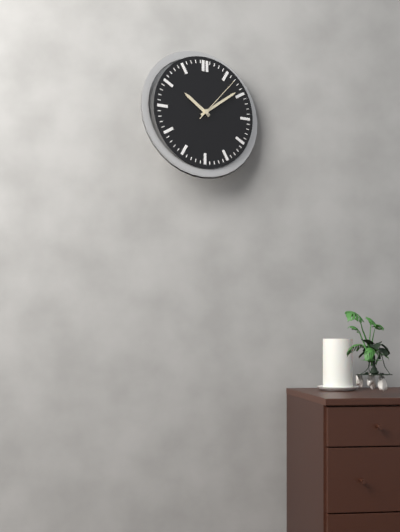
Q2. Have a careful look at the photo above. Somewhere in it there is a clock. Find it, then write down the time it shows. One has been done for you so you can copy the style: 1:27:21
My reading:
10:09:07
